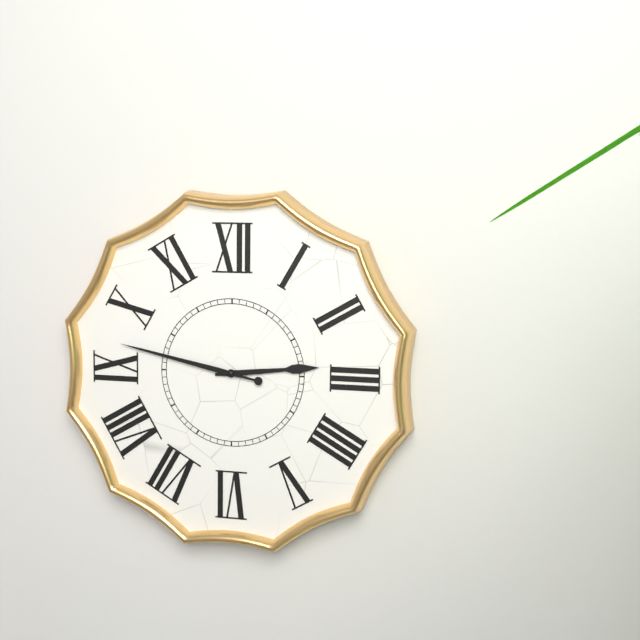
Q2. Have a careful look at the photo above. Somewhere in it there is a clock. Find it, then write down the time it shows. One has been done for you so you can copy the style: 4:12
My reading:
2:47
